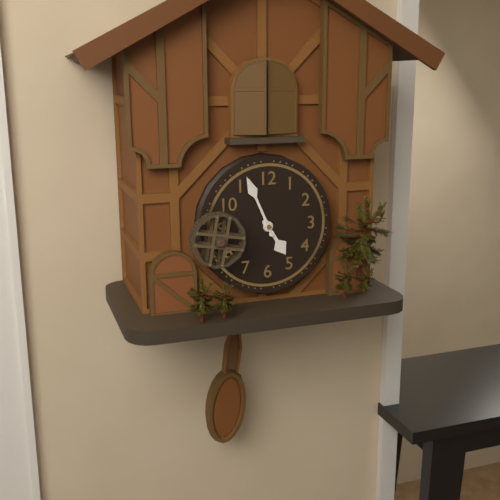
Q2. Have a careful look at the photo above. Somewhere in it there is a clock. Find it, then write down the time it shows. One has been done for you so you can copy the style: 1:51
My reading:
4:56
